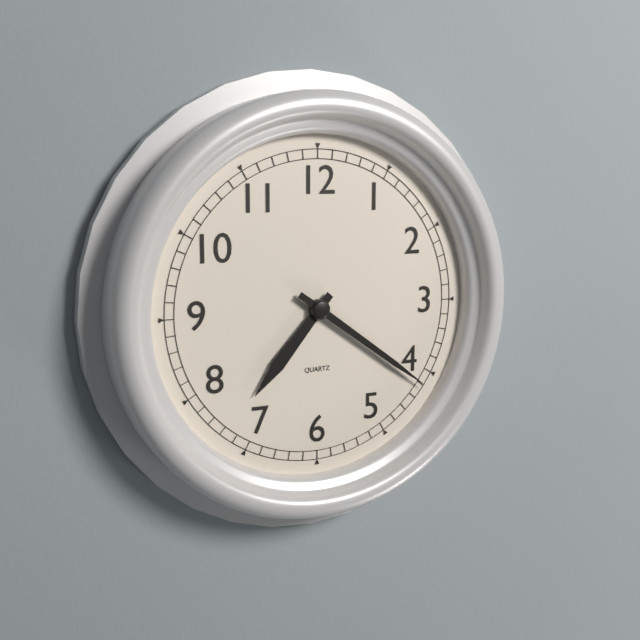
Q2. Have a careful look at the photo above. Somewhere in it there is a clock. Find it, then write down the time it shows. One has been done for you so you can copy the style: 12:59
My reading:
7:21
